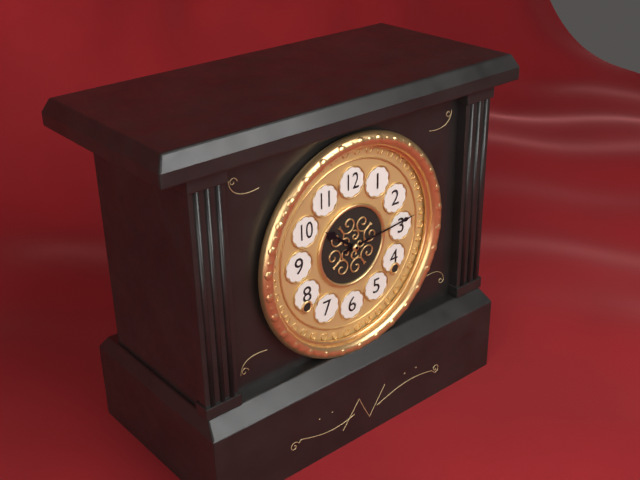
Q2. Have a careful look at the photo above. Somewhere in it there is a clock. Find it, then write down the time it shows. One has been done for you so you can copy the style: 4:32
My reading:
10:14
